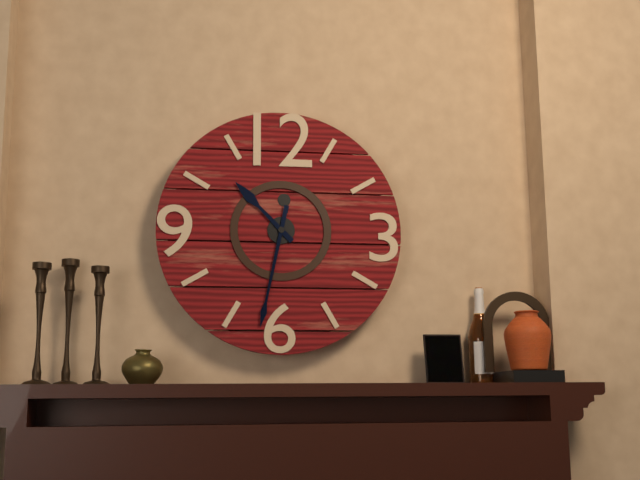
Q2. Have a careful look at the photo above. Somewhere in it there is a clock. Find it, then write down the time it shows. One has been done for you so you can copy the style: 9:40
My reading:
10:32
